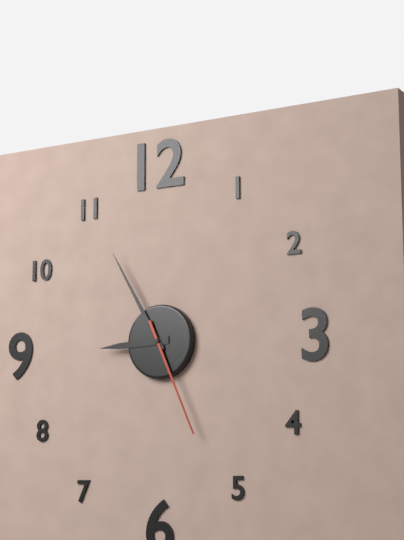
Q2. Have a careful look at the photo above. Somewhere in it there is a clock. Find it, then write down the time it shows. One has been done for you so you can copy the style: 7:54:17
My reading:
8:55:26
